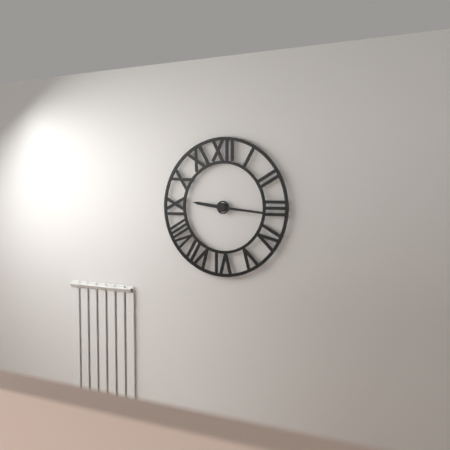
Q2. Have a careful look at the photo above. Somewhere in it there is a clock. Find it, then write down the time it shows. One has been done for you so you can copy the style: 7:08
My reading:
9:16
